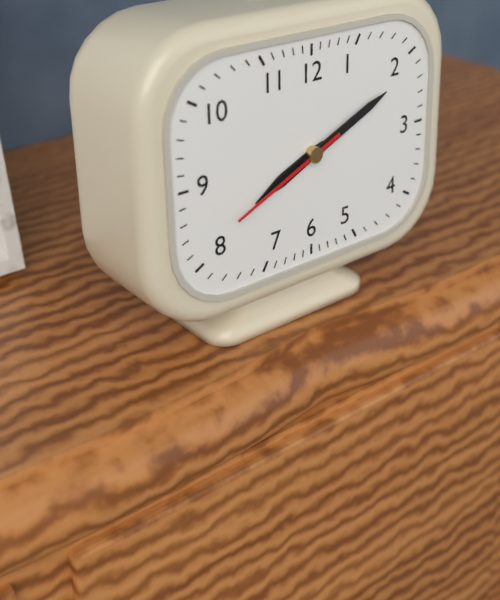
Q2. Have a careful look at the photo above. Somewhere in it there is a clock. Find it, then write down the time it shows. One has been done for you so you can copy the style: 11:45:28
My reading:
8:11:41
